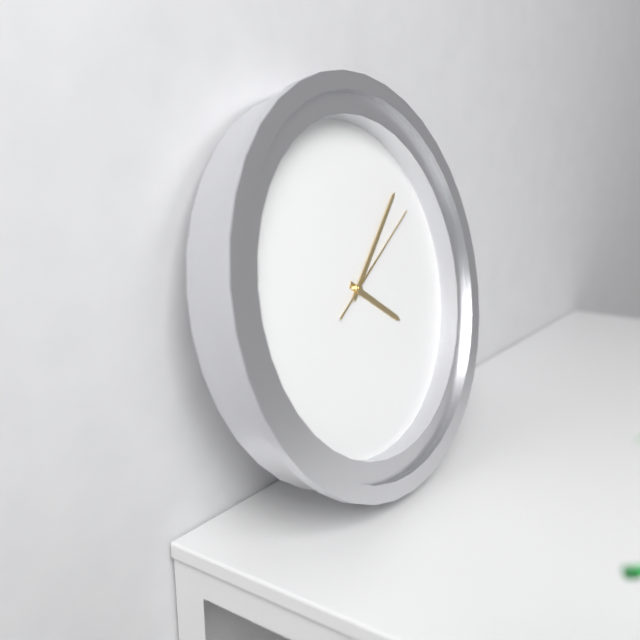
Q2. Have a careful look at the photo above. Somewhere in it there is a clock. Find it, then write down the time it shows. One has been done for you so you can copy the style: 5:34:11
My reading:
4:08:10
